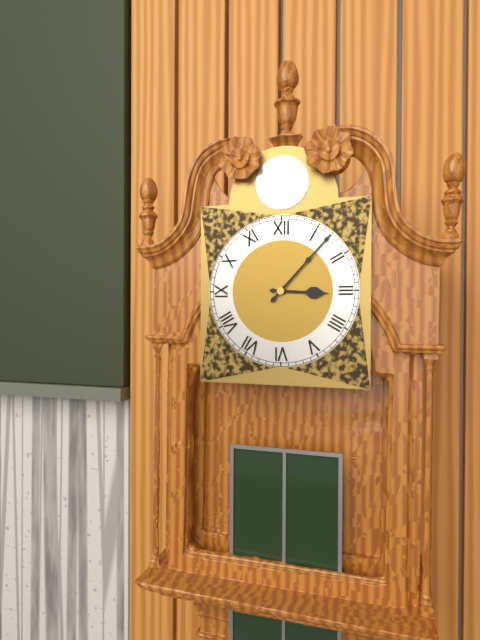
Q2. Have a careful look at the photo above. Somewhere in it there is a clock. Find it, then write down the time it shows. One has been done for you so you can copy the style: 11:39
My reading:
3:07
